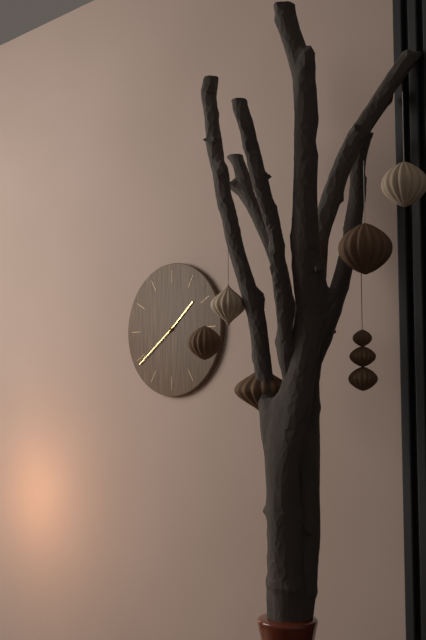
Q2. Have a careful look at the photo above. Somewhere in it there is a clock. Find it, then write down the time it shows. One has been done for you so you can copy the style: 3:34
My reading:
1:39
